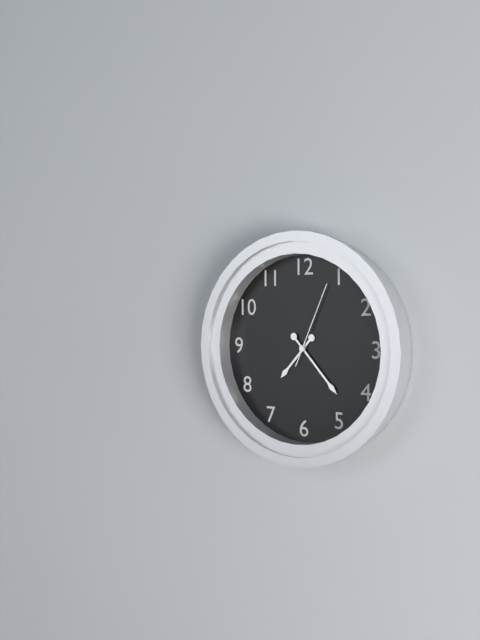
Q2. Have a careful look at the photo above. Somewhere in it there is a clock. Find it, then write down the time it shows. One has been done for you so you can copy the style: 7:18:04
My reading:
7:23:04
